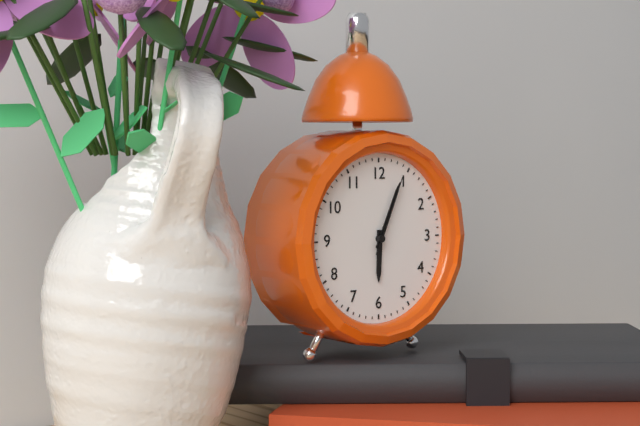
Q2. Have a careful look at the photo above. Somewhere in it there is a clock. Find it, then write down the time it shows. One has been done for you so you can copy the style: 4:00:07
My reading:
6:04:04
